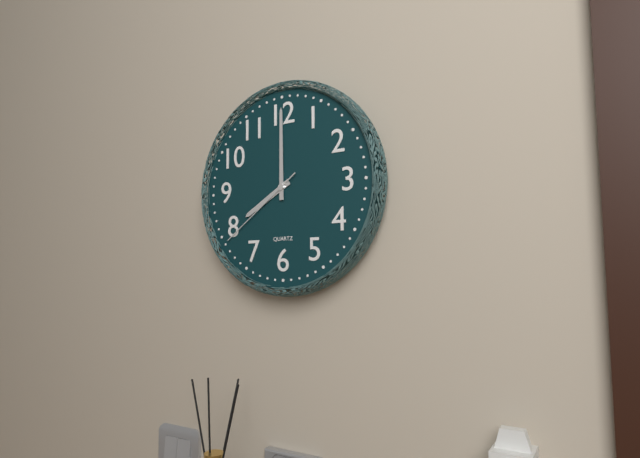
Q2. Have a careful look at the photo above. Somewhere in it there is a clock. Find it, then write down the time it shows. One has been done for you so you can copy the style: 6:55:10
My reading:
8:00:39
